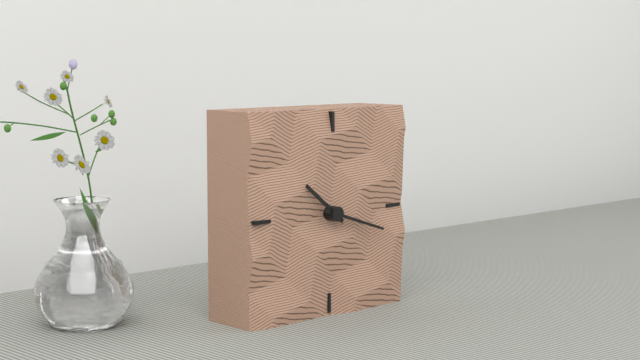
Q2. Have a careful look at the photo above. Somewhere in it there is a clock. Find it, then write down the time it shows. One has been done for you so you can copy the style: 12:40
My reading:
10:18
